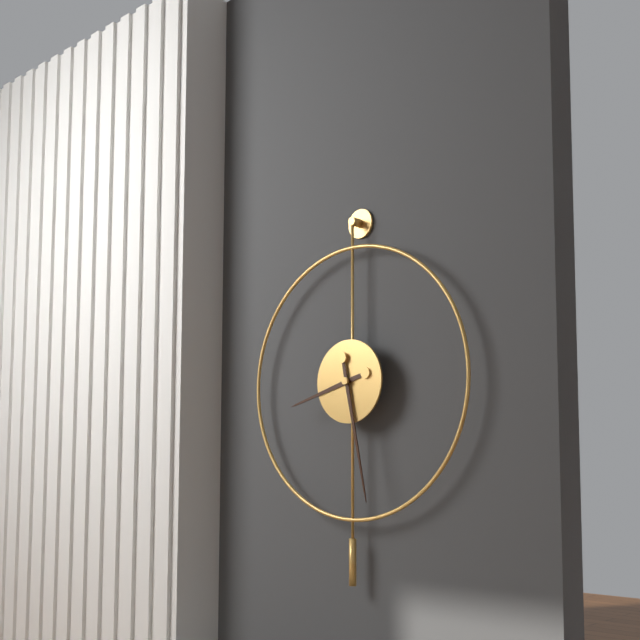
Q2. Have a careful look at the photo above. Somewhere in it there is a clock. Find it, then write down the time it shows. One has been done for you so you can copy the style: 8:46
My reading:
8:28
